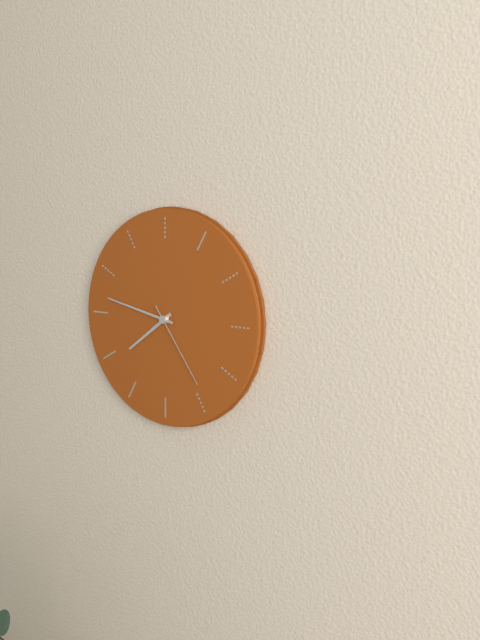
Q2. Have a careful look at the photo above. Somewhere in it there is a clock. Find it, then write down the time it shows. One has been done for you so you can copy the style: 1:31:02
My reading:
7:47:24
